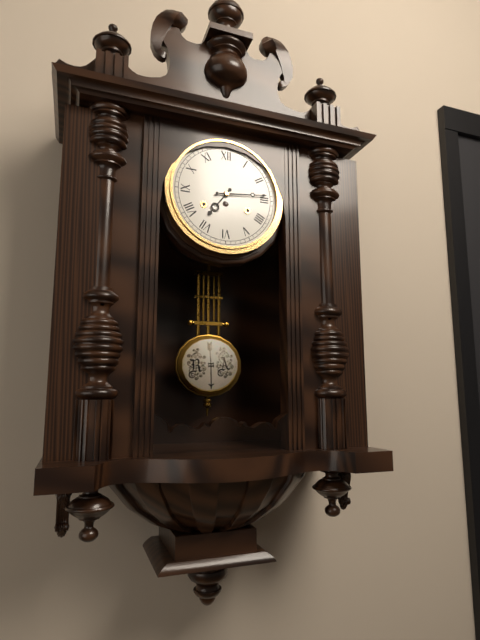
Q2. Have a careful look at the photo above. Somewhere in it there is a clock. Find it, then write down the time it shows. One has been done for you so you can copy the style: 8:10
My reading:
7:14
